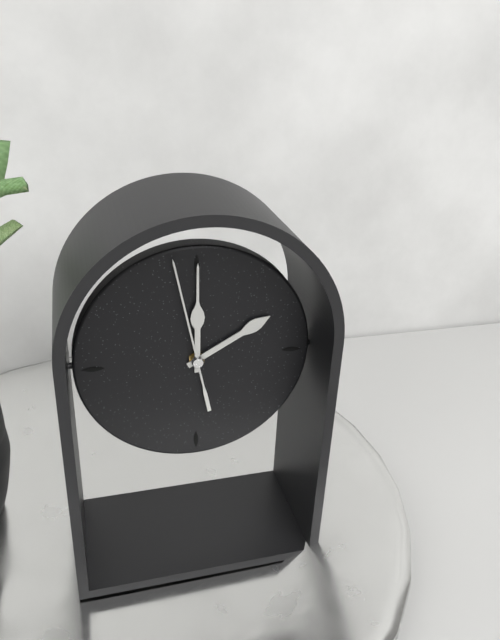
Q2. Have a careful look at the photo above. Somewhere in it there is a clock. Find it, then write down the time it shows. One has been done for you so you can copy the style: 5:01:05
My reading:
2:00:58
